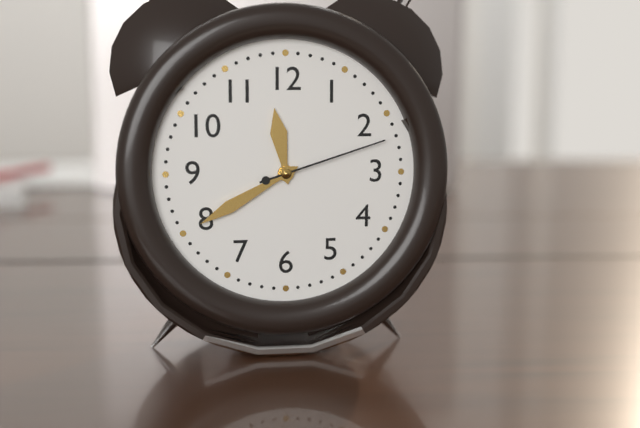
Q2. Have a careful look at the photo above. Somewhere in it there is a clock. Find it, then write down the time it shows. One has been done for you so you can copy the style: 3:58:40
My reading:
11:40:12
